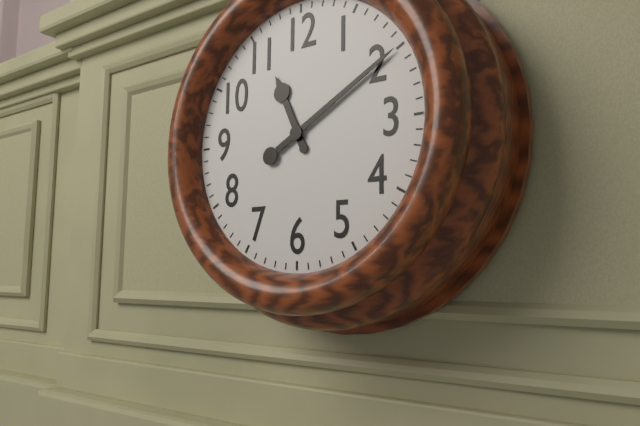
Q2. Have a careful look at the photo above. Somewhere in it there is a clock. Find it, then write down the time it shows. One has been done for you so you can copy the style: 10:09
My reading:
11:10
